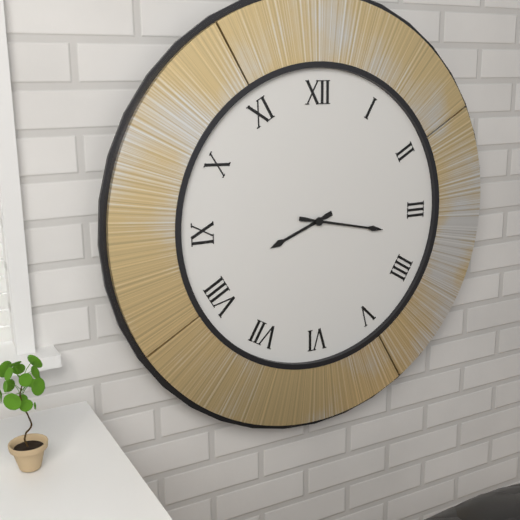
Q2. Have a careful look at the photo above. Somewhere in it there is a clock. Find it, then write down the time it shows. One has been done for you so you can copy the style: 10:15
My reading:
8:17
